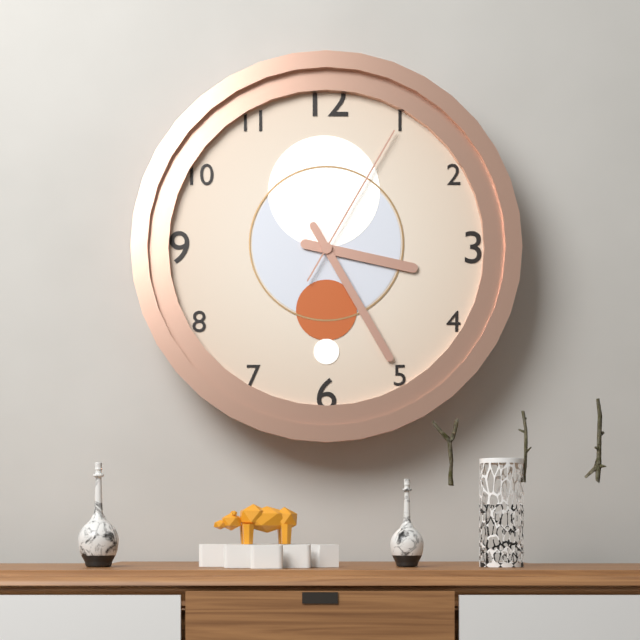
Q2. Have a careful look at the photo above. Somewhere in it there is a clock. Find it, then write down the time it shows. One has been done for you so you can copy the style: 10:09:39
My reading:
3:25:05
